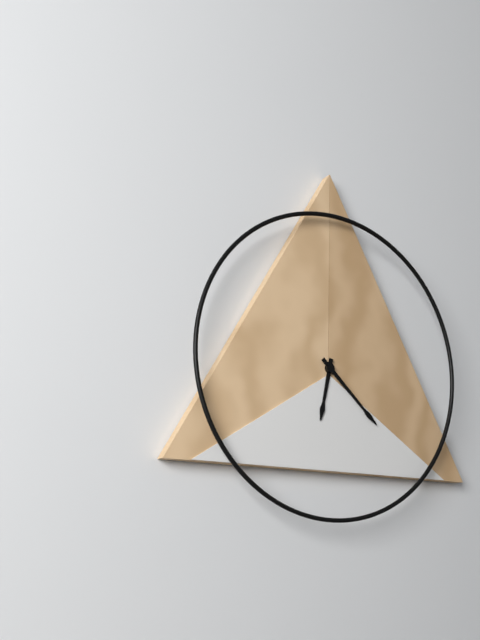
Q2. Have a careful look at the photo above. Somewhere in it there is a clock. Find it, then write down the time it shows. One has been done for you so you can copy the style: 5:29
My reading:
6:22
